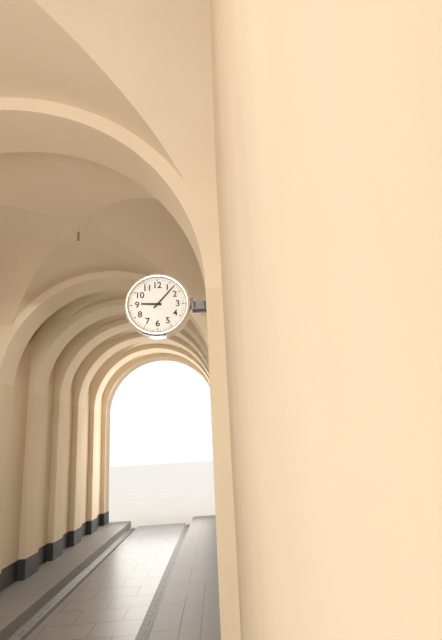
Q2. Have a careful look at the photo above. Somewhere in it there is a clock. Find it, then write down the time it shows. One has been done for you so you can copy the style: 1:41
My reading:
9:07
